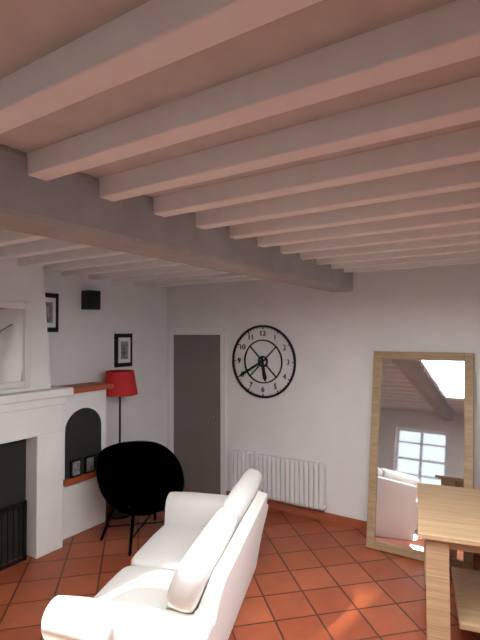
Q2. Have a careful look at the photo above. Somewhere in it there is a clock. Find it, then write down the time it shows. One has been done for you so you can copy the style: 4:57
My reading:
5:40
